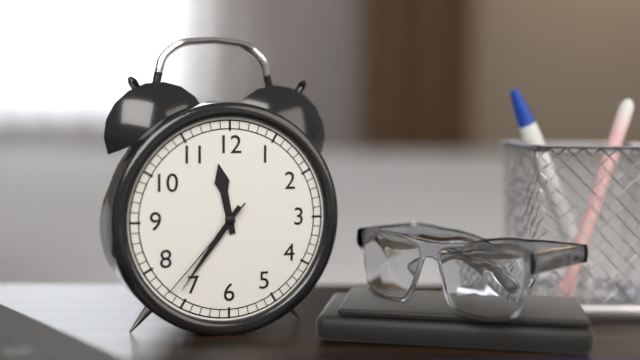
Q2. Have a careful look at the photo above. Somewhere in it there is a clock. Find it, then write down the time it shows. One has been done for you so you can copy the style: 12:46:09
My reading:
11:36:37
